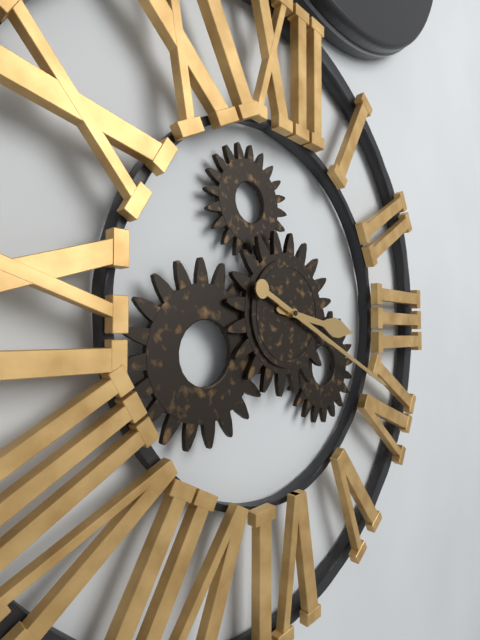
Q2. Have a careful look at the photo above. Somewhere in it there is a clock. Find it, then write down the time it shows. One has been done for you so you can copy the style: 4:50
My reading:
3:19
